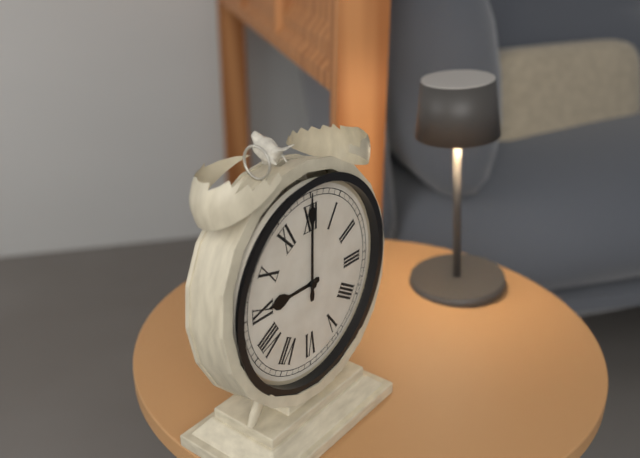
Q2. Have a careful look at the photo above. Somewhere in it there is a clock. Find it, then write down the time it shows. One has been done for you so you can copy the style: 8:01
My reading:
9:00
